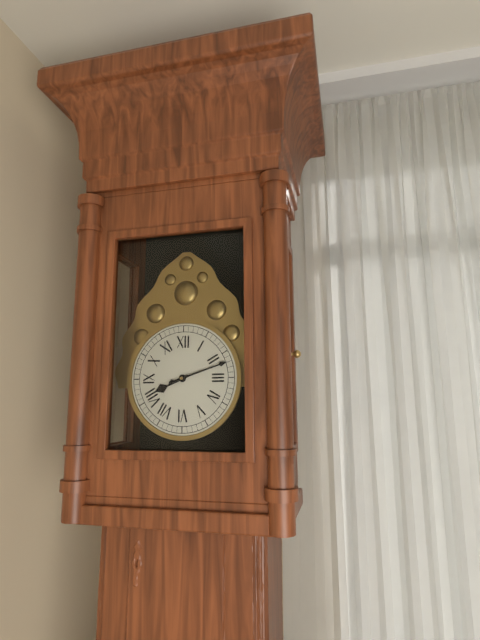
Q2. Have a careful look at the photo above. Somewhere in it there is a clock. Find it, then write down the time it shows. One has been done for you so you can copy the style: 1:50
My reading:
8:12
